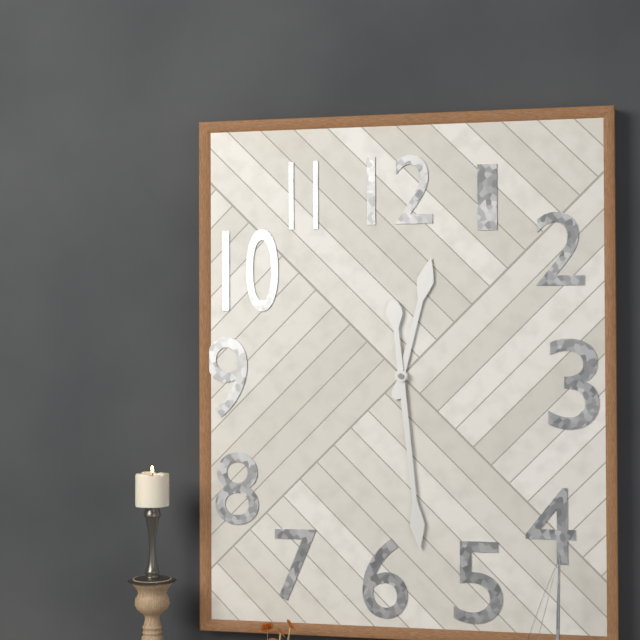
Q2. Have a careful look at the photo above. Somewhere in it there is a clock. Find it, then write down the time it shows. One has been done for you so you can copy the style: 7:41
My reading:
12:29
